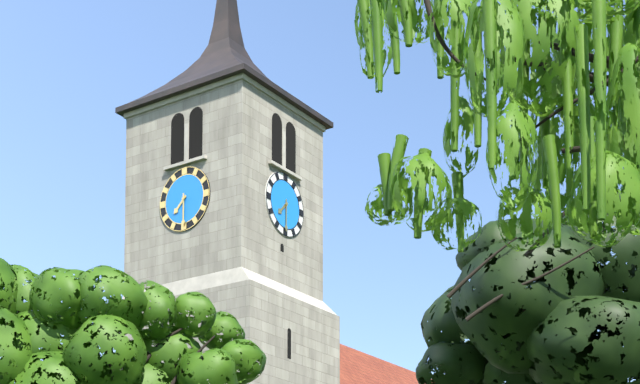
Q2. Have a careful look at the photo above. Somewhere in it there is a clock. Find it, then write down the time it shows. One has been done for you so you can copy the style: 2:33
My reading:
7:30
